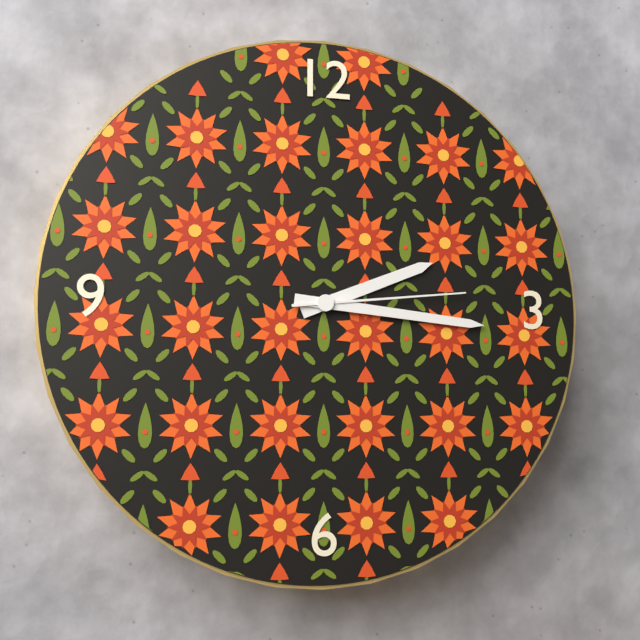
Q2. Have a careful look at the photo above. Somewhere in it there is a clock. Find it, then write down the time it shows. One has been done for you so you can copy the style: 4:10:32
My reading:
2:16:14
